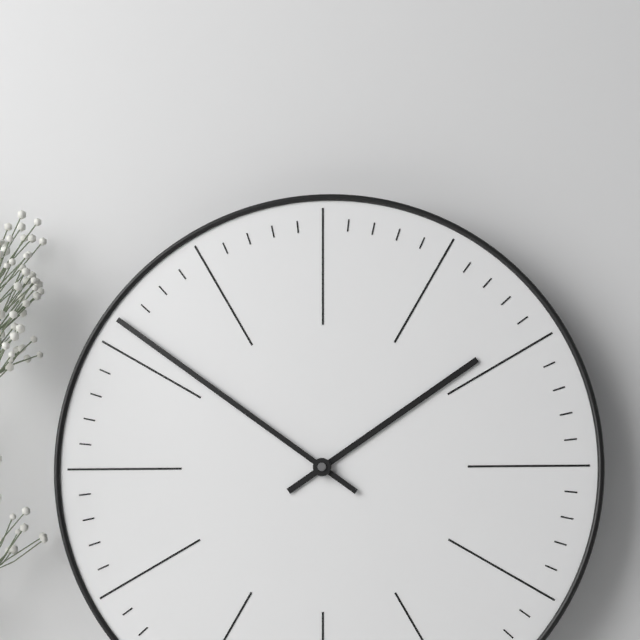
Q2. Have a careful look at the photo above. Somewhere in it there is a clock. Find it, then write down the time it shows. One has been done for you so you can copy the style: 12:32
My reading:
1:51
